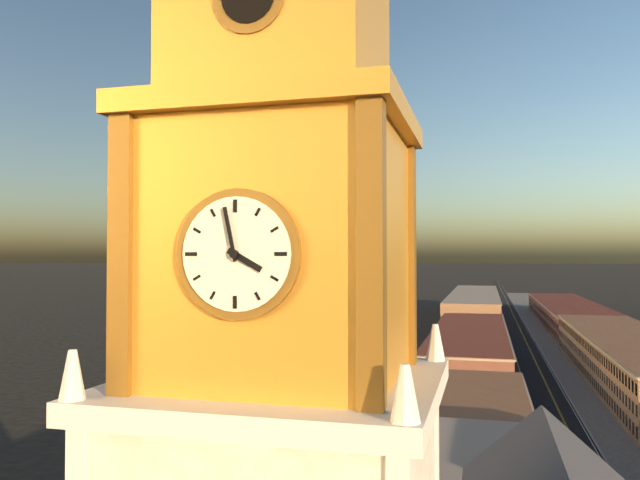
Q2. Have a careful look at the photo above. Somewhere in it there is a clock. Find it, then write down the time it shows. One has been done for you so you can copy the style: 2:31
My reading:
3:58
